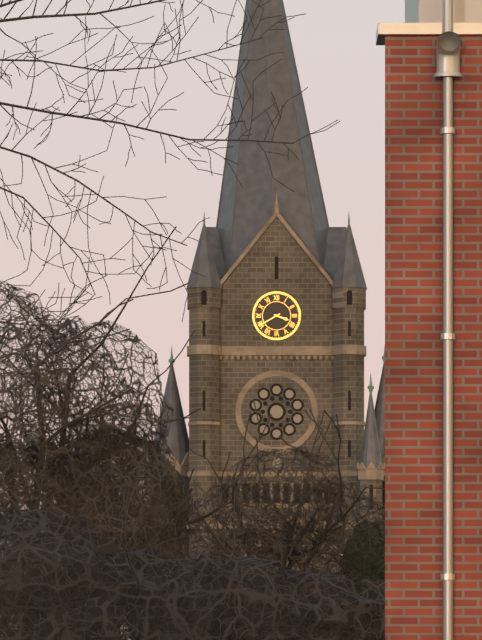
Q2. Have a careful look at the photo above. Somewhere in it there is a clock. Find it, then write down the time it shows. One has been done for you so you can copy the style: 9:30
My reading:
3:40
